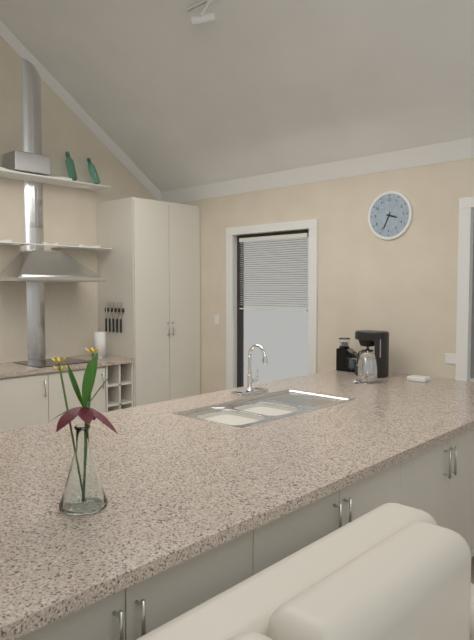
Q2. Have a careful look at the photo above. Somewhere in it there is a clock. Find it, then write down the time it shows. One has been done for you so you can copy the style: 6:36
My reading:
3:34
